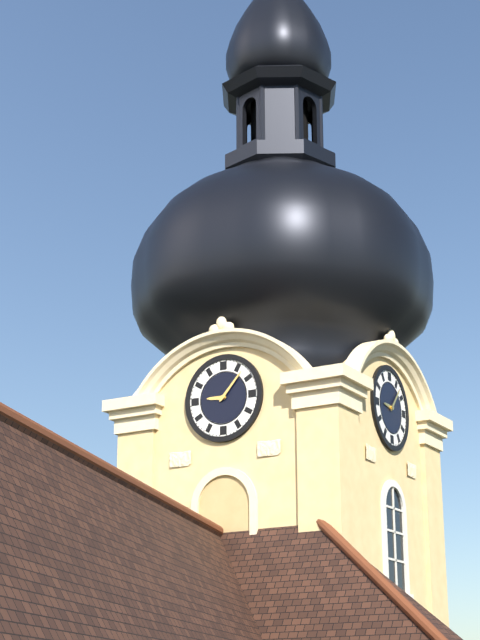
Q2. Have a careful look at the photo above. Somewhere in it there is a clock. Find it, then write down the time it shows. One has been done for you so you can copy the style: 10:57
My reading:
9:07
